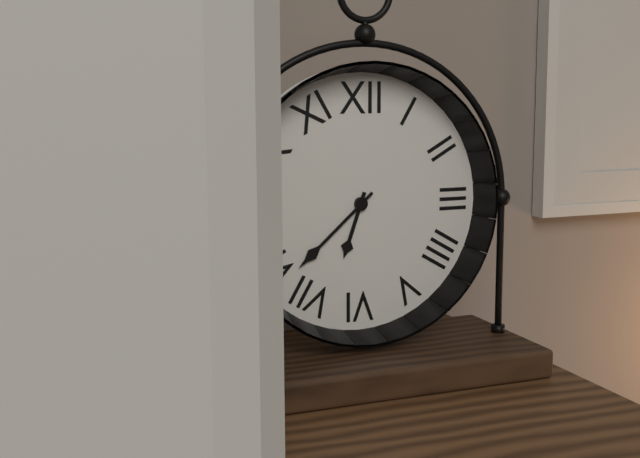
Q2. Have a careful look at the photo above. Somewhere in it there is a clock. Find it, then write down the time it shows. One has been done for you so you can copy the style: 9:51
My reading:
6:38
